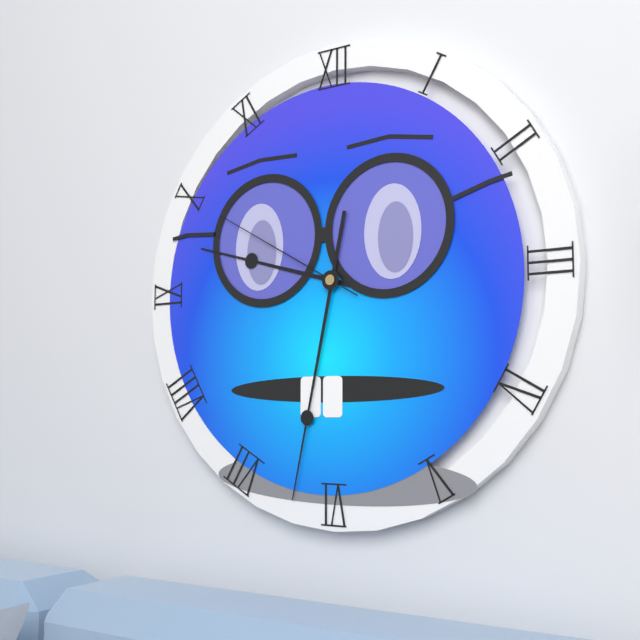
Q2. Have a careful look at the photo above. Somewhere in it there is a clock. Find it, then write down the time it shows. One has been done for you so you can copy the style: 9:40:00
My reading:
9:32:50
